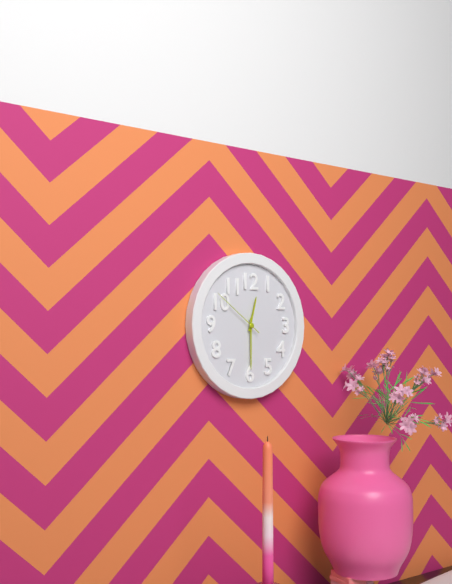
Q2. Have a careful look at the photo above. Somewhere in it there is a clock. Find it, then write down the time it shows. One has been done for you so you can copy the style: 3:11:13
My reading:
12:30:51
